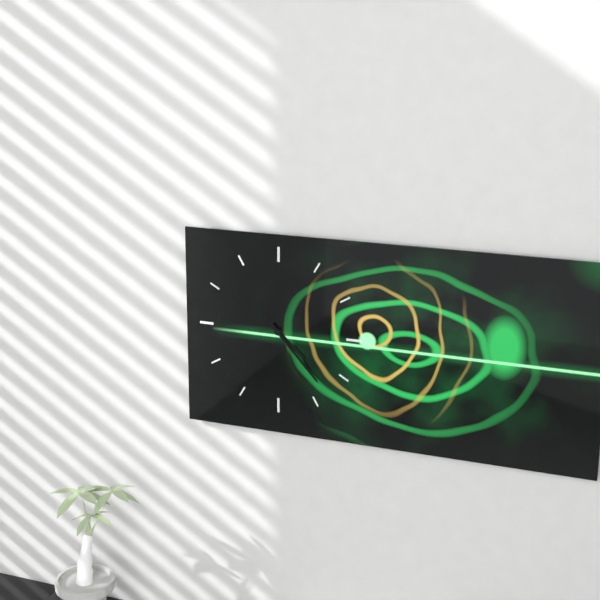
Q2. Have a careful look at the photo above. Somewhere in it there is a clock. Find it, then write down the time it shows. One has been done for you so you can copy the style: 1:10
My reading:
4:23
